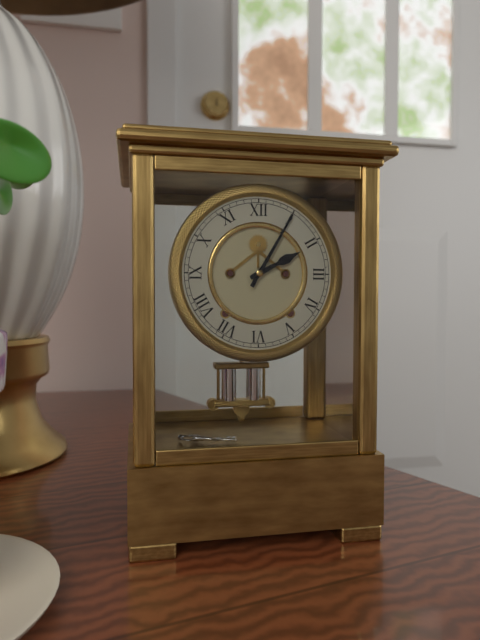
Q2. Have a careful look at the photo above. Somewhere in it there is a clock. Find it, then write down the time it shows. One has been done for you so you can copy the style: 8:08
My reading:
2:05
